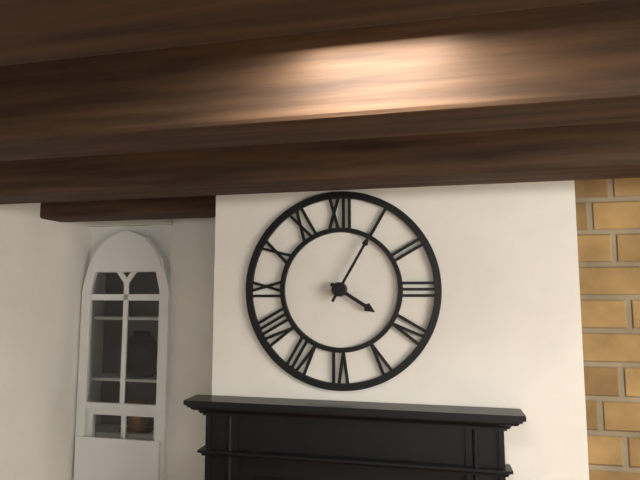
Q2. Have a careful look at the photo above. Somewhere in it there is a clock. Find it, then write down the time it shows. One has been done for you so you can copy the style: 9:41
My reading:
4:05
